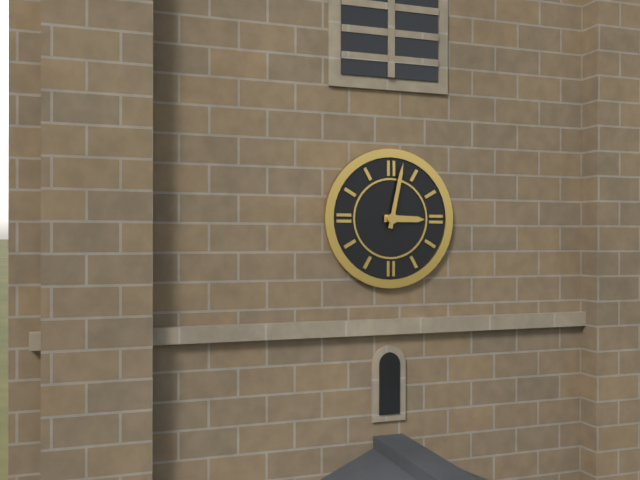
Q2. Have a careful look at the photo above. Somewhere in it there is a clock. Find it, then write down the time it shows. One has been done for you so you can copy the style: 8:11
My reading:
3:02
